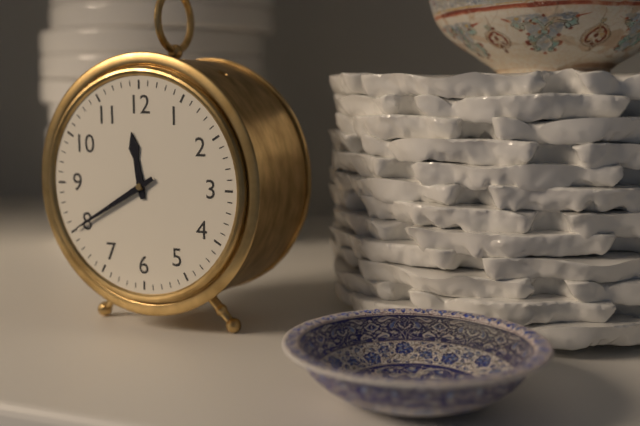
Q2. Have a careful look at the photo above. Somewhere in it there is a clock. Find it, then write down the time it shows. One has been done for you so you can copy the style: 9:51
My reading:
11:40
